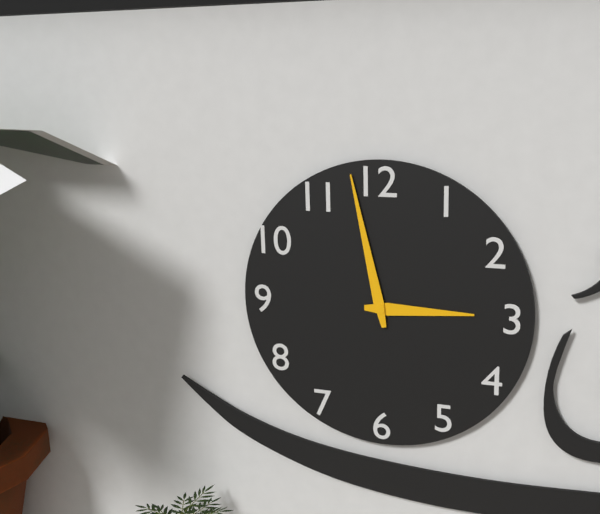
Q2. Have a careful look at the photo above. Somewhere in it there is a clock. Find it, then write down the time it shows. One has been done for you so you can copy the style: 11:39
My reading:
2:58
